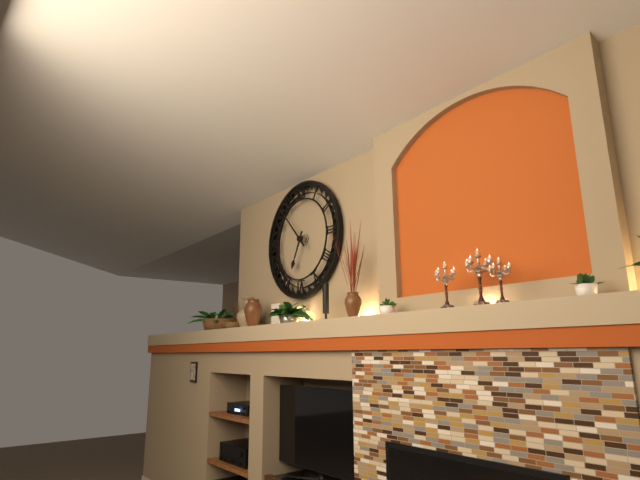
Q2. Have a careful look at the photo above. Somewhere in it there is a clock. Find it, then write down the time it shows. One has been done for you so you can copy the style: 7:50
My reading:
6:53
